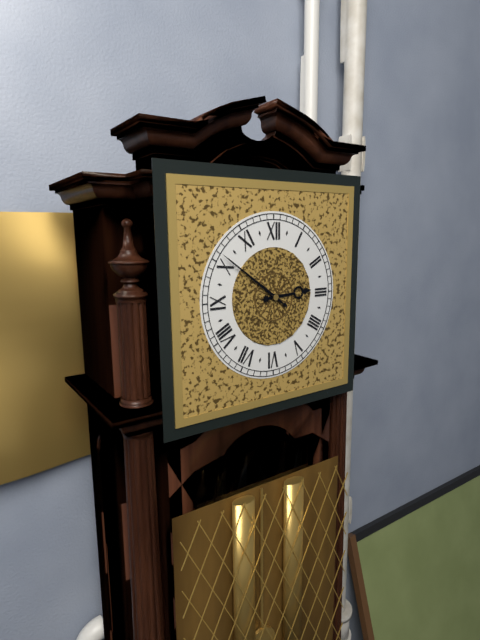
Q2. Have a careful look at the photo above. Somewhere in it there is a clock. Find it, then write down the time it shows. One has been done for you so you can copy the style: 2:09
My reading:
2:51
